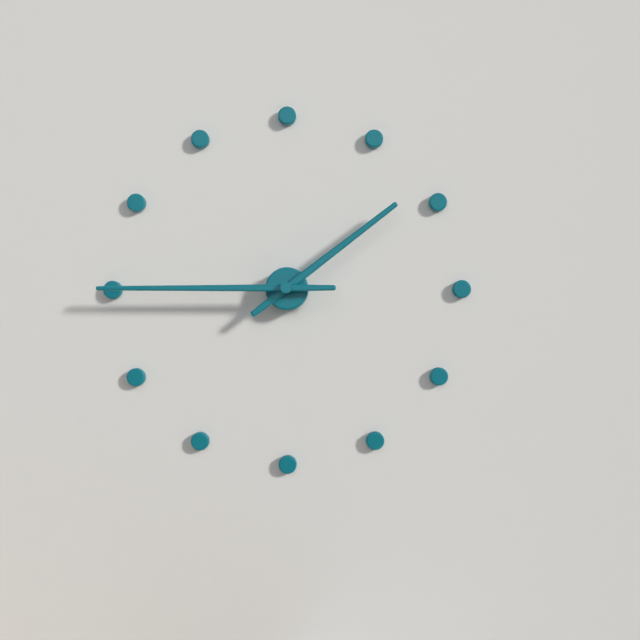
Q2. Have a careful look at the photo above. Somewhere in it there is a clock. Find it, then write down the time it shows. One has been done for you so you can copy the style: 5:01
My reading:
1:45
